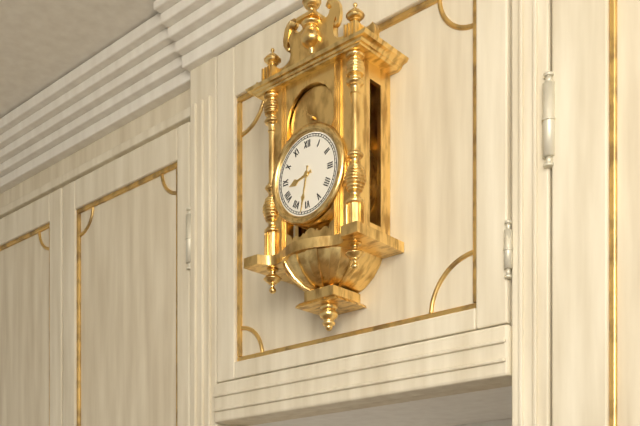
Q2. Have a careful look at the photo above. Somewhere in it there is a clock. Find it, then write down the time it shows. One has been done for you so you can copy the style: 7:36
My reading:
8:32
